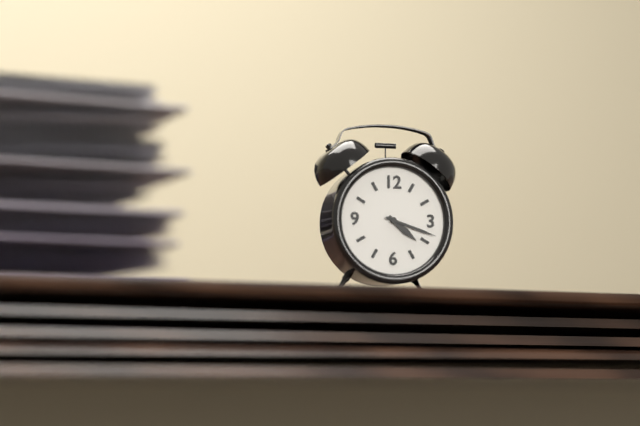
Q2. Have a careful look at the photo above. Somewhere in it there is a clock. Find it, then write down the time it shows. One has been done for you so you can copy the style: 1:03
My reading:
4:18
